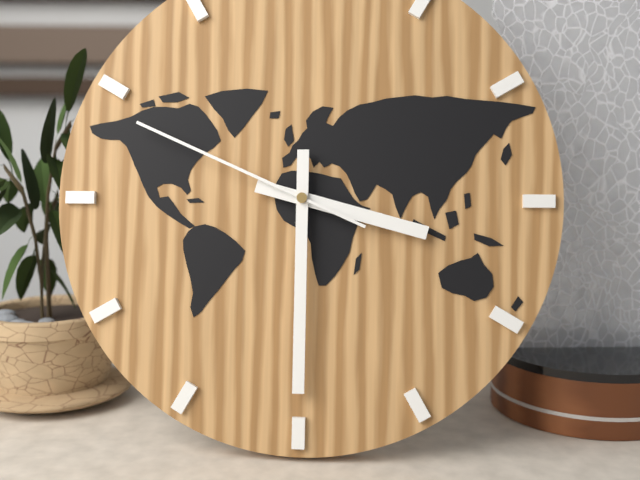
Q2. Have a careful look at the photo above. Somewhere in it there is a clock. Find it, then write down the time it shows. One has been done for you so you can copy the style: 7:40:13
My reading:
3:30:49
